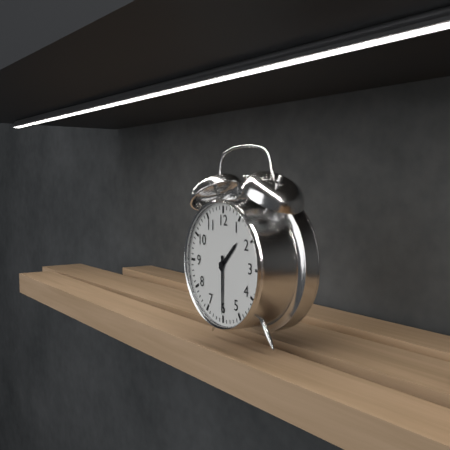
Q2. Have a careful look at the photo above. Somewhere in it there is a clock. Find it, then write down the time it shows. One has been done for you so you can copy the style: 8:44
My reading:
1:30
